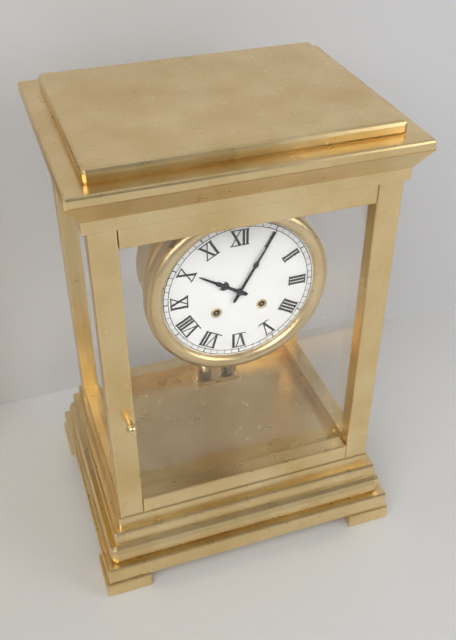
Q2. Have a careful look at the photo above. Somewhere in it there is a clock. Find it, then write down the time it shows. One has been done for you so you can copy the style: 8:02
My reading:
10:05
